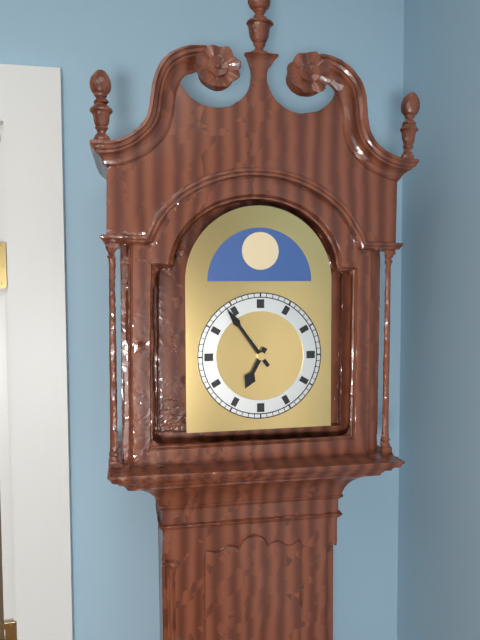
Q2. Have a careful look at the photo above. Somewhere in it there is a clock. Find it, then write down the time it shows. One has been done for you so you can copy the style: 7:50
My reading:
6:54
